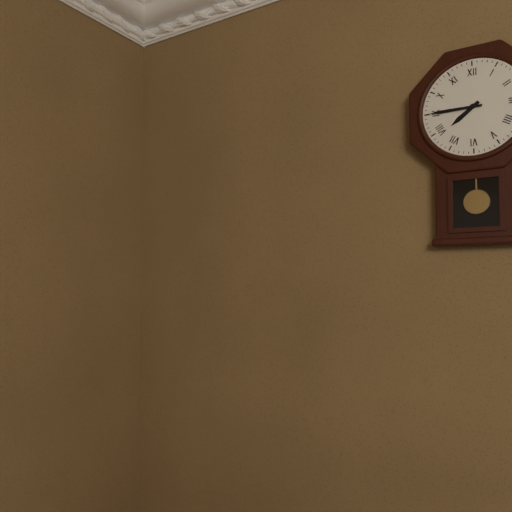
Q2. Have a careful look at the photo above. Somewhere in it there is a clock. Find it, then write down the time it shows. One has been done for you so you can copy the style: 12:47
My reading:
7:45
